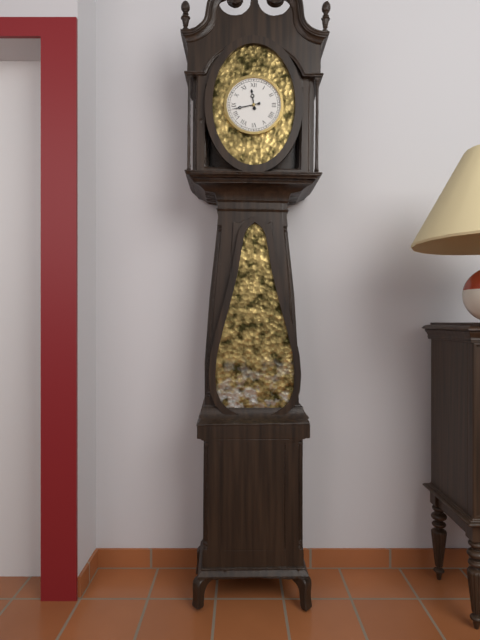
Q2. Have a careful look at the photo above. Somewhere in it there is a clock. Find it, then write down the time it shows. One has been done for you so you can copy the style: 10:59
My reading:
11:43
